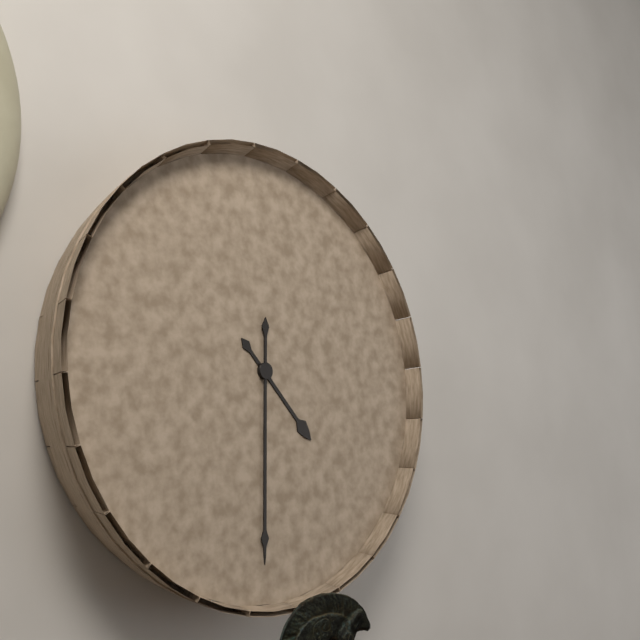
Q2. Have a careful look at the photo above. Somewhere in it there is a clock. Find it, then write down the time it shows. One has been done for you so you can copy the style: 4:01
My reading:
4:30
